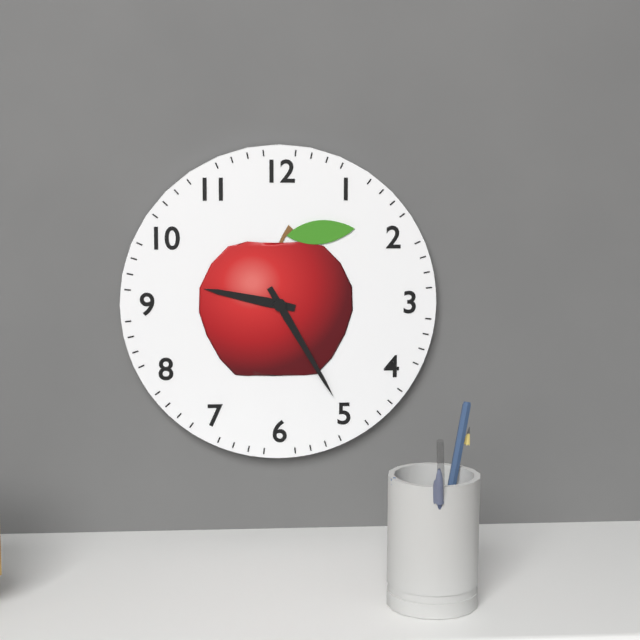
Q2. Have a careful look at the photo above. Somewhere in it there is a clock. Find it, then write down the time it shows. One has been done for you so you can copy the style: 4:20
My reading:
9:25
